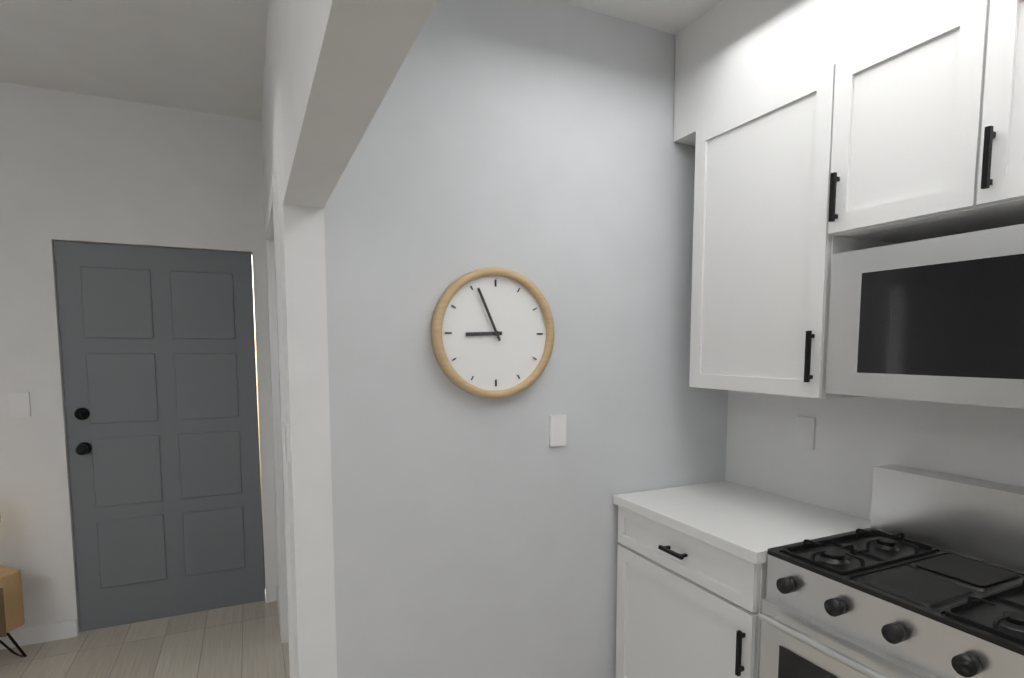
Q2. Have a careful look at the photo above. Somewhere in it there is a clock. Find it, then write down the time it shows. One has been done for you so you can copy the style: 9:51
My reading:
8:56
